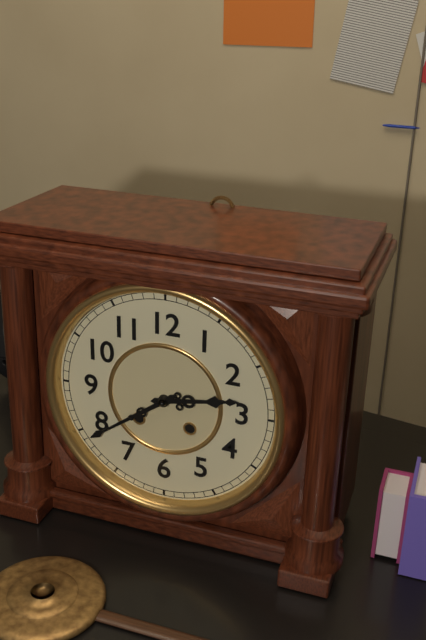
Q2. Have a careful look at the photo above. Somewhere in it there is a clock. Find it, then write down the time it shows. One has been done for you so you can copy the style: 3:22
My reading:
2:39
